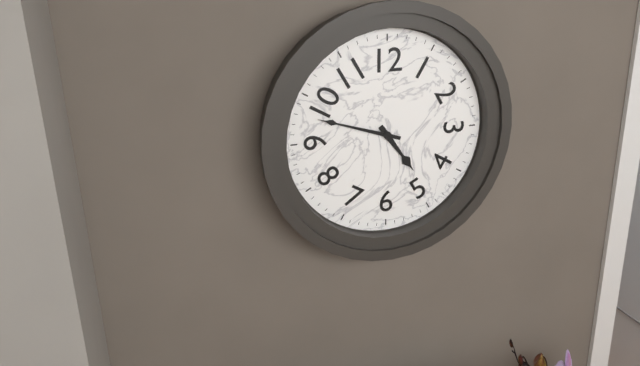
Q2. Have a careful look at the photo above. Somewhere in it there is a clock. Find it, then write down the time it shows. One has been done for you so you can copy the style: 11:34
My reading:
4:48
